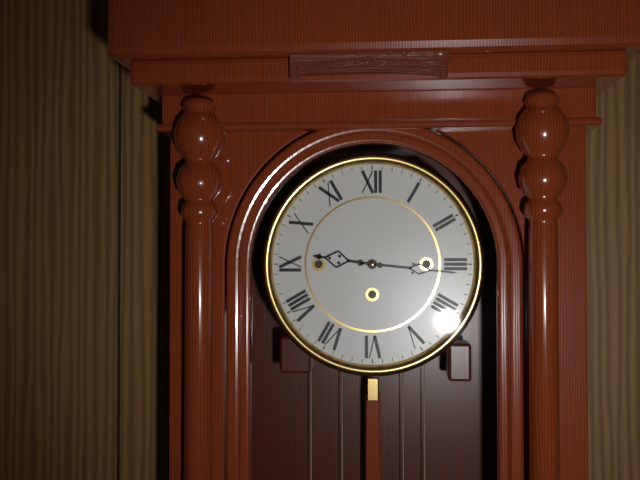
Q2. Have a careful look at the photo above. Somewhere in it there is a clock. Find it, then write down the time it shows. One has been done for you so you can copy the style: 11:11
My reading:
9:16
